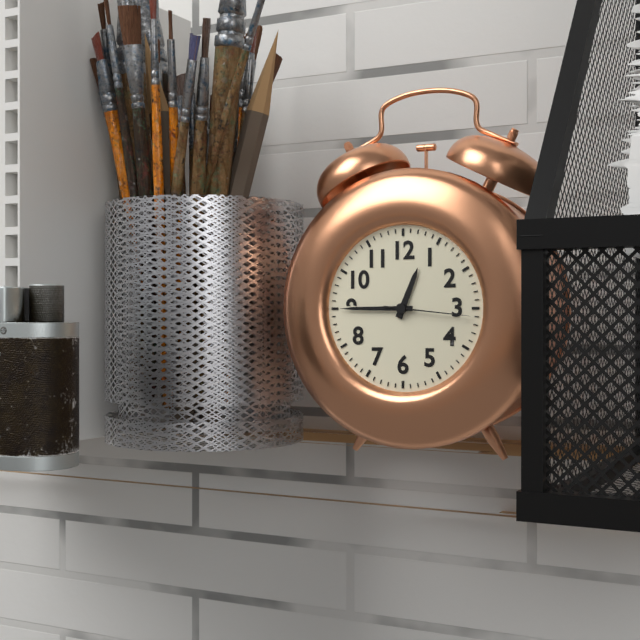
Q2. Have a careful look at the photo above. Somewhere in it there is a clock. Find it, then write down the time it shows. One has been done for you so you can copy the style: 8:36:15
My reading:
12:45:16
